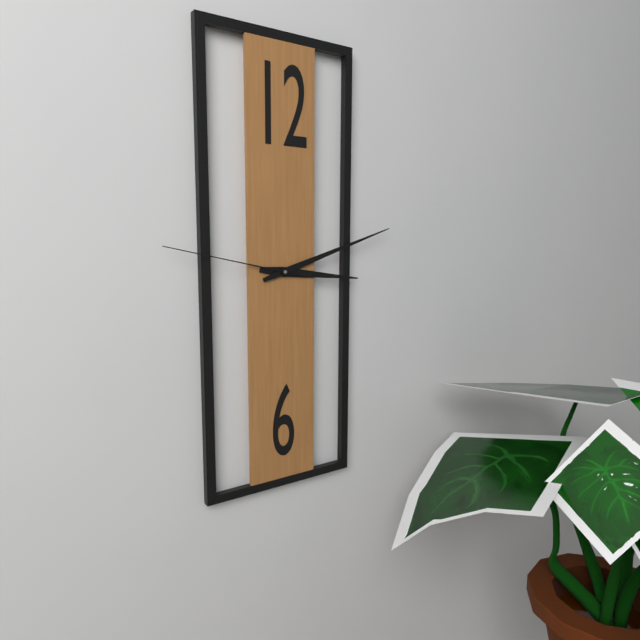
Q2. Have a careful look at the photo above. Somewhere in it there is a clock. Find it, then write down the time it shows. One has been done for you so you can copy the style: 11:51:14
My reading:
3:12:47
